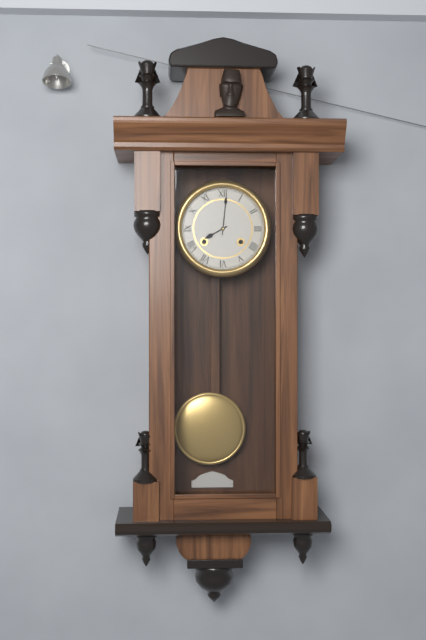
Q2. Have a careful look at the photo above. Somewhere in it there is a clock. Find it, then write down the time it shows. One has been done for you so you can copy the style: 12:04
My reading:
8:01
